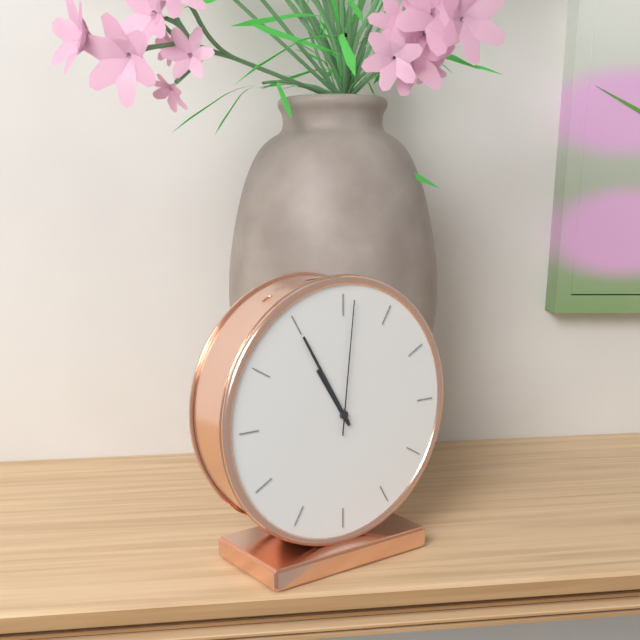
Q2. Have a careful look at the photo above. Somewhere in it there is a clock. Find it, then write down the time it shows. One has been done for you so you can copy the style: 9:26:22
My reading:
10:55:01
